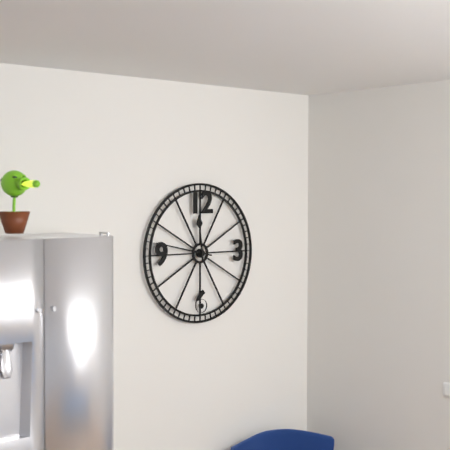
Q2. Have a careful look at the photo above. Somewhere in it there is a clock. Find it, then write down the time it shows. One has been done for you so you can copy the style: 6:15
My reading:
11:47
